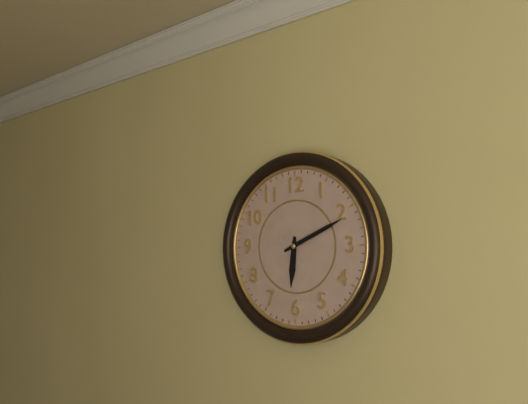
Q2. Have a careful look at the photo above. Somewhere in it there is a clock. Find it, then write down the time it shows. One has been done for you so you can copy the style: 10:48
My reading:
6:11
